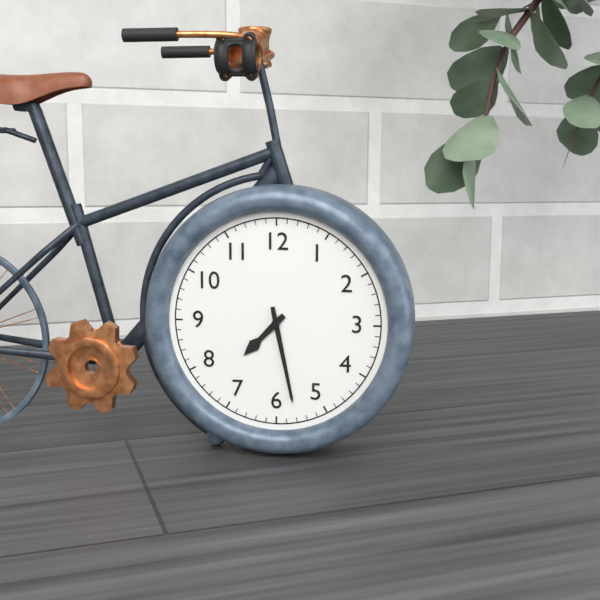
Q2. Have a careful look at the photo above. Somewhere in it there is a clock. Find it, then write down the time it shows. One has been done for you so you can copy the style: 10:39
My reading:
7:28
